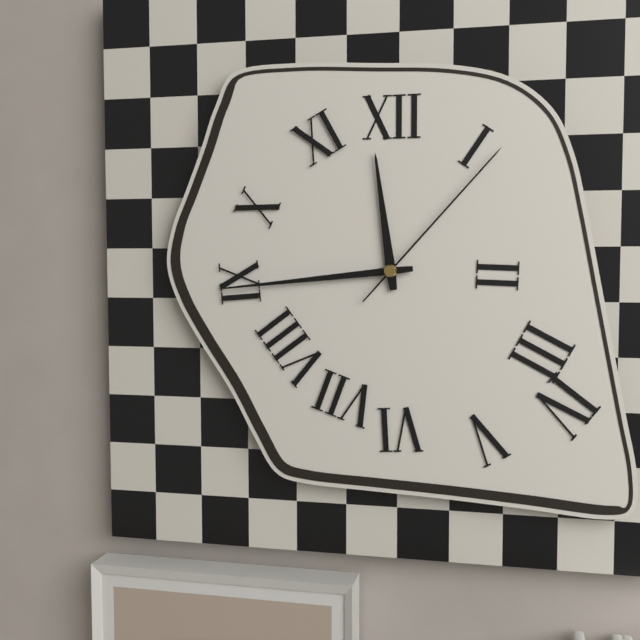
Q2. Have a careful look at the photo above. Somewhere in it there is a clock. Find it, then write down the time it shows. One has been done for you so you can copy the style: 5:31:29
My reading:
11:44:07
